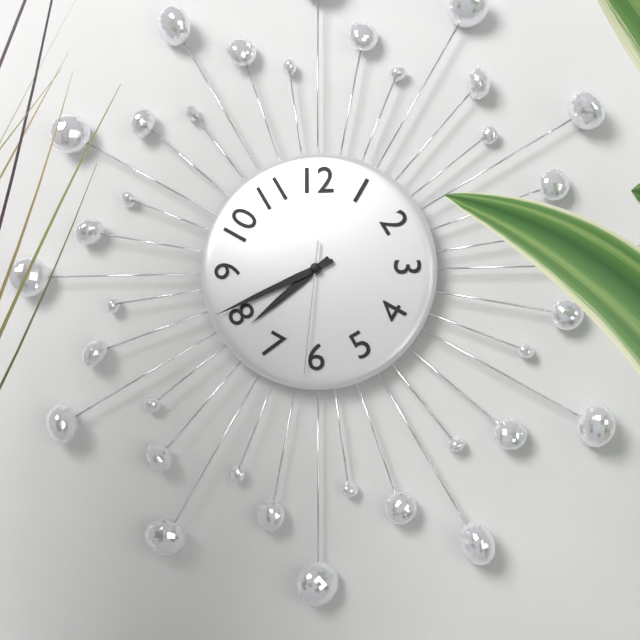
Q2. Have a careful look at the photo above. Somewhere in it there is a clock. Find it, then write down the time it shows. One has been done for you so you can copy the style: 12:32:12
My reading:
7:41:31
